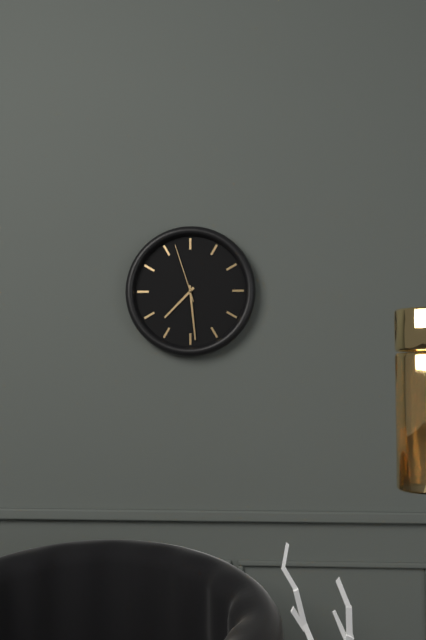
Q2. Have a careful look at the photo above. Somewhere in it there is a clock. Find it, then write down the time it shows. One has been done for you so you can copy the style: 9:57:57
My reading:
7:29:57
